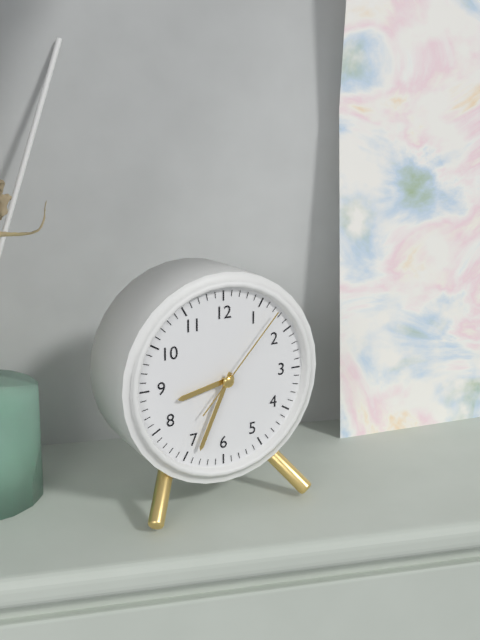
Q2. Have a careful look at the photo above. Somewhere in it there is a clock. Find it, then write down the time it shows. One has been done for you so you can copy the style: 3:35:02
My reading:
8:34:07
